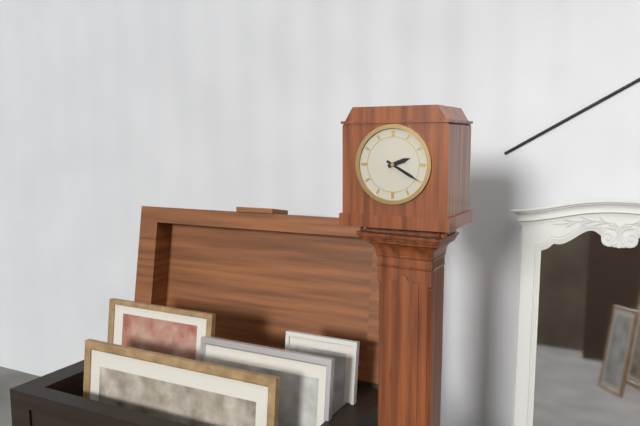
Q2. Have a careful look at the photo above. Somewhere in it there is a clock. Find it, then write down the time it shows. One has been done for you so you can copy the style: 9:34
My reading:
2:20
